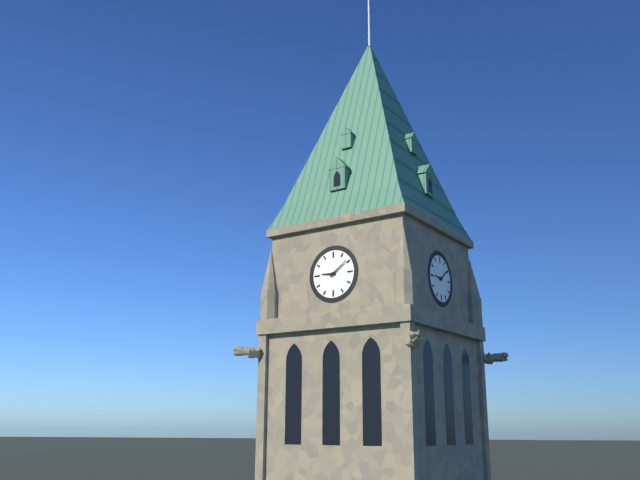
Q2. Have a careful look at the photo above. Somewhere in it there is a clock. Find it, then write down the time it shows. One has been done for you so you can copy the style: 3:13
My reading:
9:09
